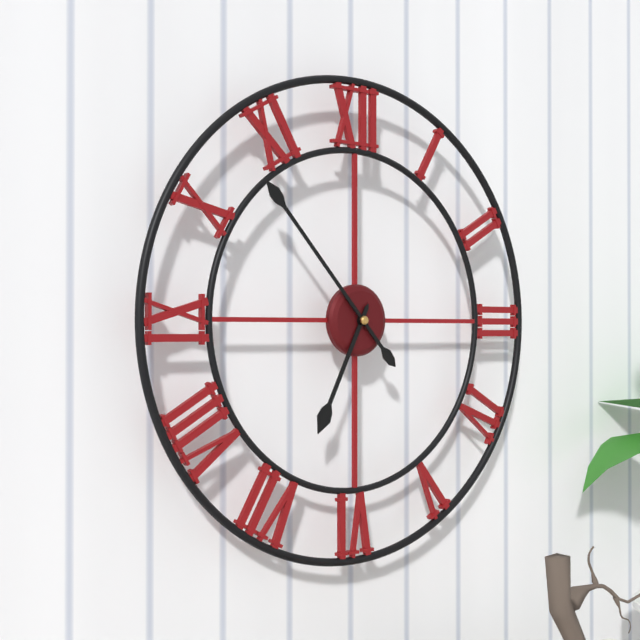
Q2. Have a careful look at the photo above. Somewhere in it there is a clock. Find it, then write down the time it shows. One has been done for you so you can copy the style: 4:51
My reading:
6:53
